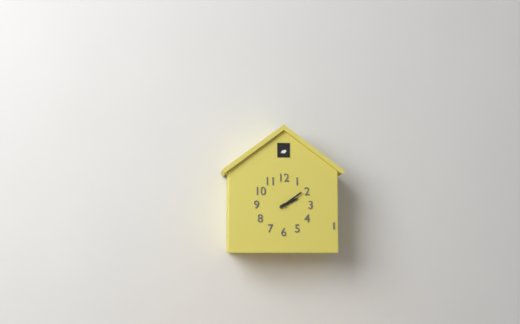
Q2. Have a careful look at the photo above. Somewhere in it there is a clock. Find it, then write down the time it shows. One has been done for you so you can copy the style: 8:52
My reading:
2:09
